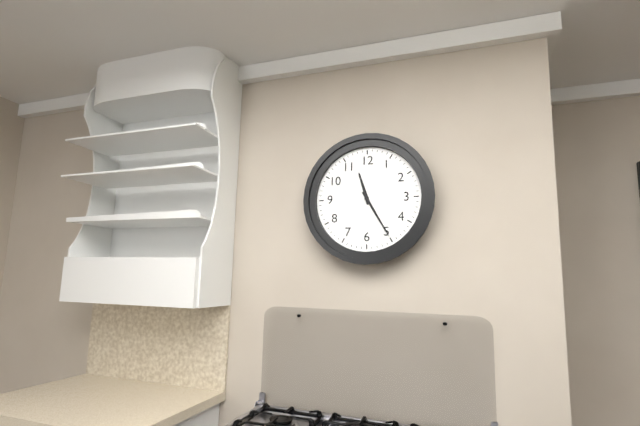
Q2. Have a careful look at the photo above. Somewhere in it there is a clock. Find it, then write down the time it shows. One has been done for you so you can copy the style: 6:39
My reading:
11:25
